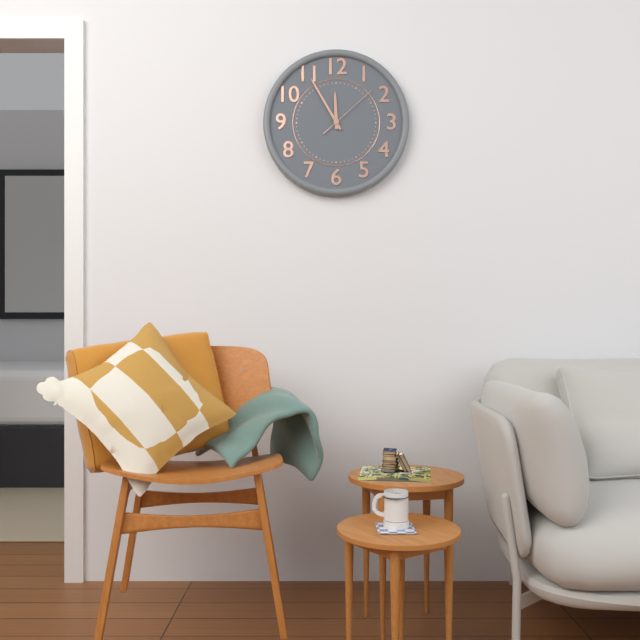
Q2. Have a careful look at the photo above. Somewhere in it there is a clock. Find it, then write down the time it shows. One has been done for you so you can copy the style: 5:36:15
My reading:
11:55:08
